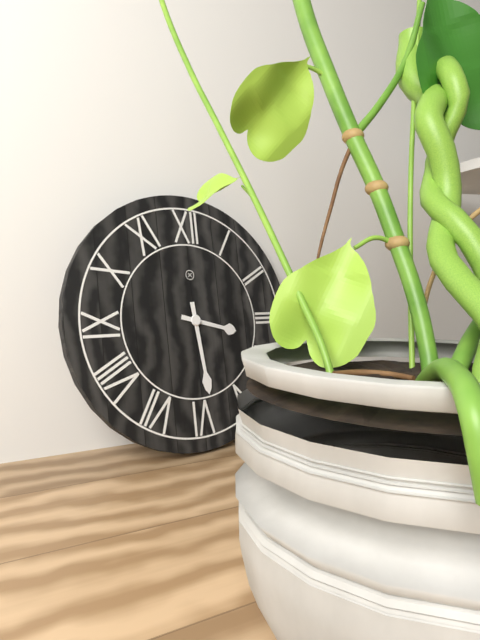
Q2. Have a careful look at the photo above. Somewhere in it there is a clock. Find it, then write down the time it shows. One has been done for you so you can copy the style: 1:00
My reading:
3:29
